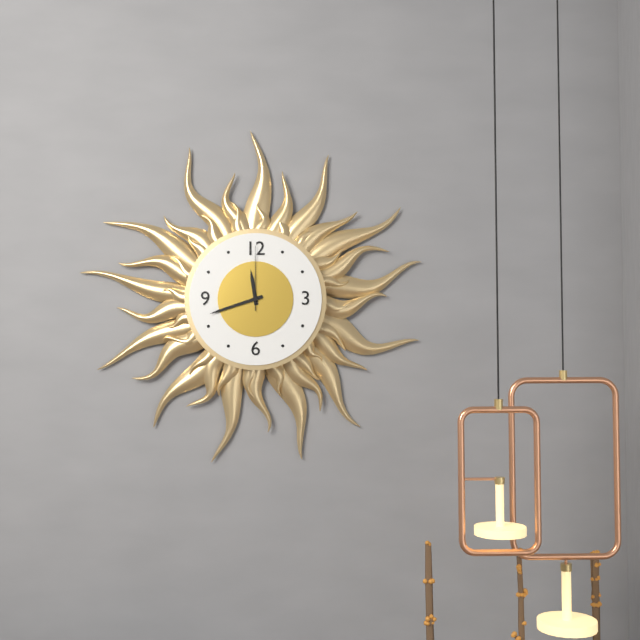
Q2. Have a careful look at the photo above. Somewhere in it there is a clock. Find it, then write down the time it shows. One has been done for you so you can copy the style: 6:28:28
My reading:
11:42:00
